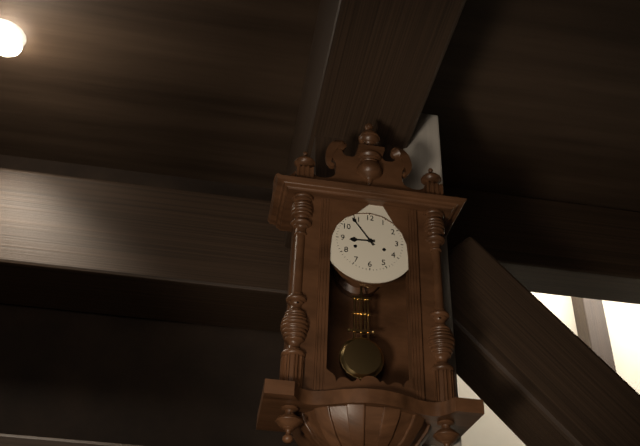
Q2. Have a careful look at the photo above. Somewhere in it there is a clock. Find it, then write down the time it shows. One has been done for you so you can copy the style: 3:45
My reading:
8:54
